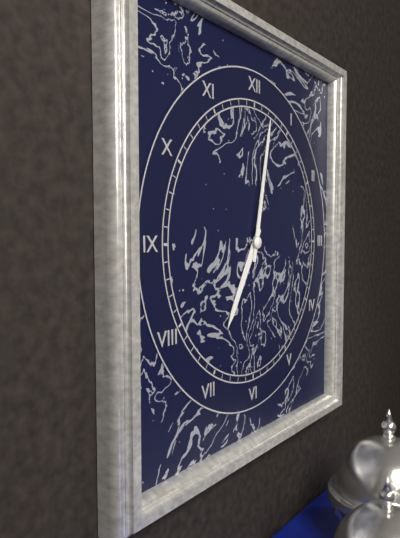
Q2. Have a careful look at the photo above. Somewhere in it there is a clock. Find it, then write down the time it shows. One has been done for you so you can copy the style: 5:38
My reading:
7:02
